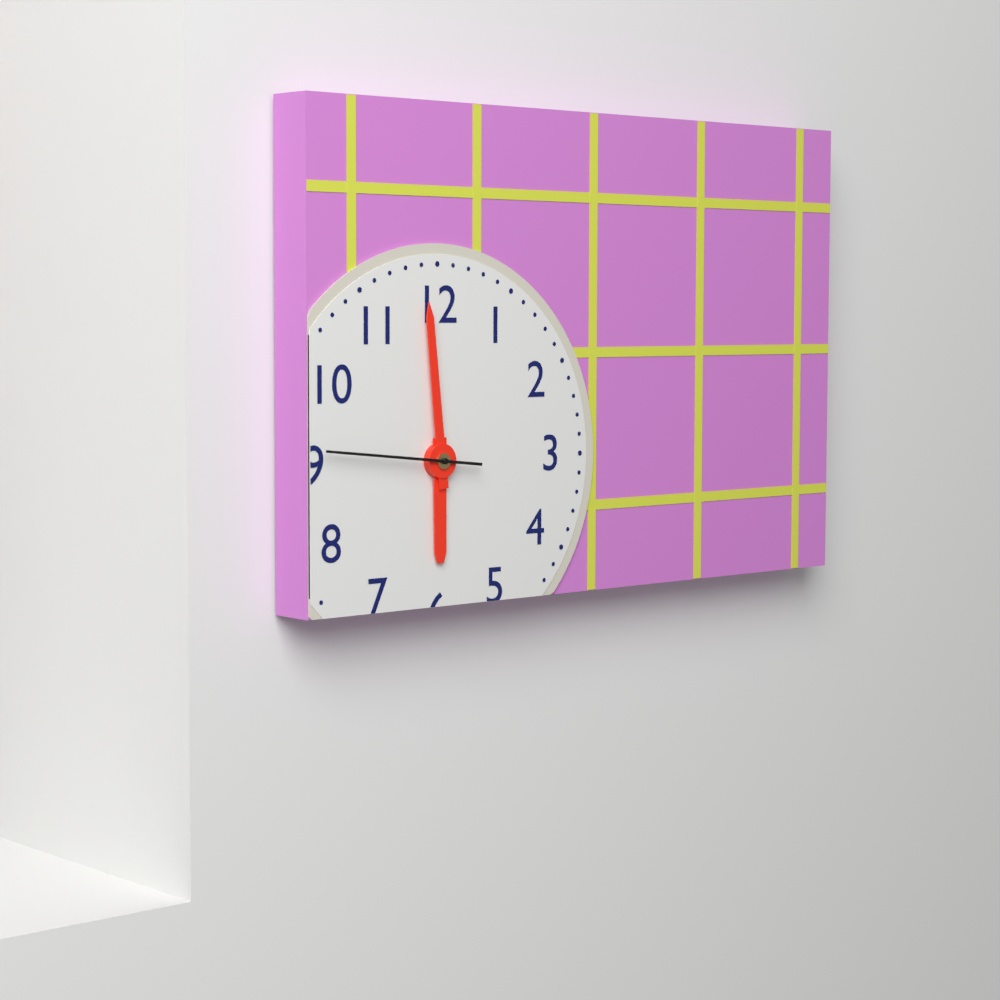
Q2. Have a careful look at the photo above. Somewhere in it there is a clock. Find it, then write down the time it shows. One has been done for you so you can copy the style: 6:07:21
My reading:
5:59:46
